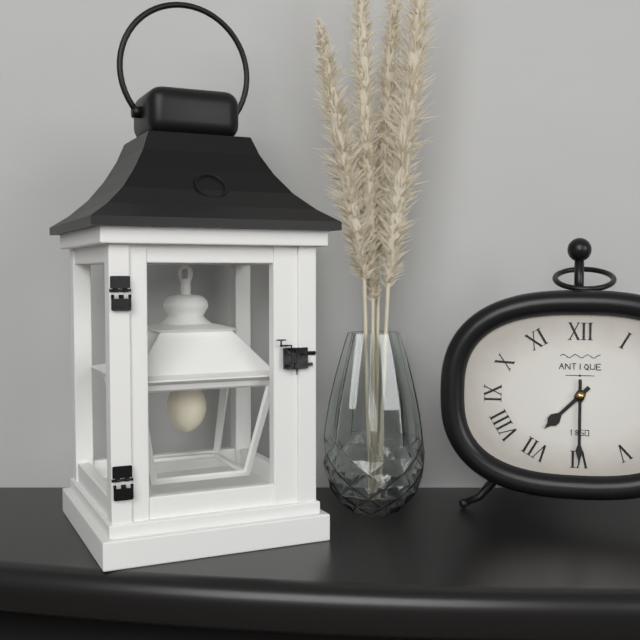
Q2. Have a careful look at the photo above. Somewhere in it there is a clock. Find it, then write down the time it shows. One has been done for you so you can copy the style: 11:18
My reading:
7:30
